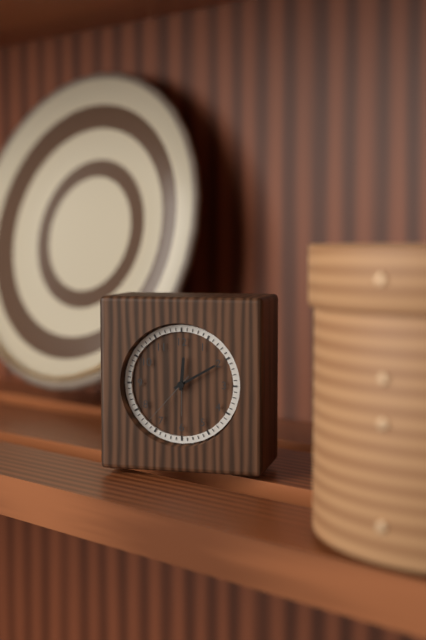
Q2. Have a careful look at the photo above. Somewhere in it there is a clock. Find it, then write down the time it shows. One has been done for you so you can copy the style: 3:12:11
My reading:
12:10:37
